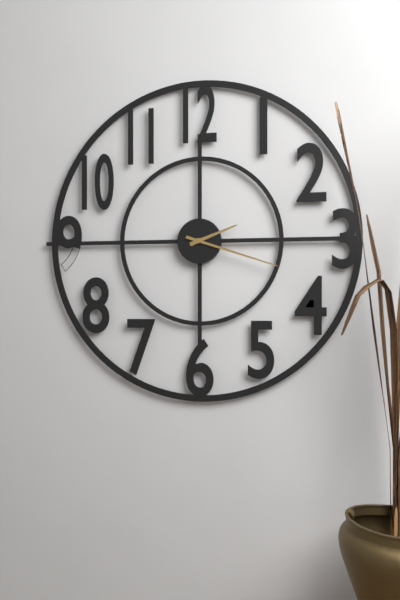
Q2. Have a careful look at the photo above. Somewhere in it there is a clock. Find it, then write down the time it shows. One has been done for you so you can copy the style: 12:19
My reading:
2:18
